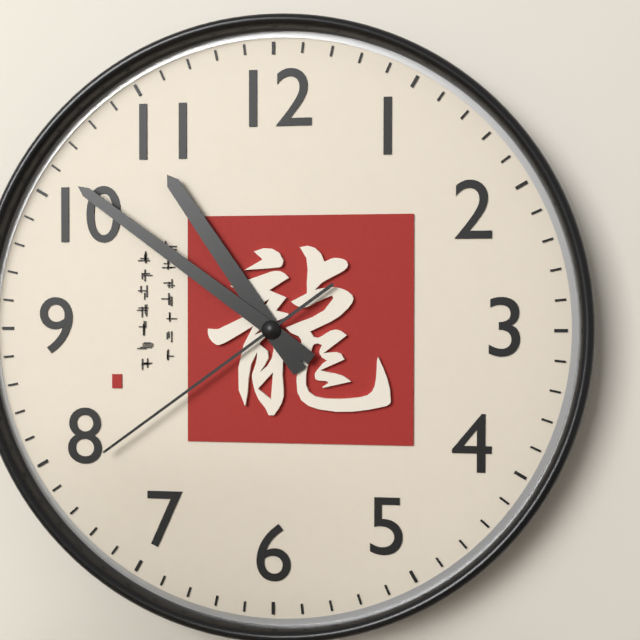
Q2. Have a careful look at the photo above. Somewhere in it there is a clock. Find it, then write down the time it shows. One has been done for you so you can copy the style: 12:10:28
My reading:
10:51:39
